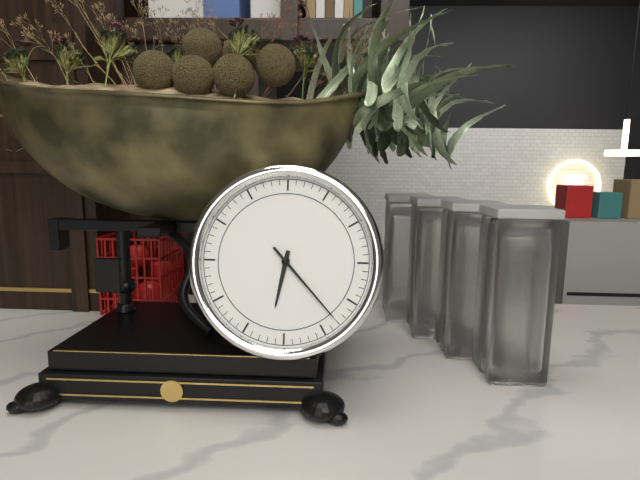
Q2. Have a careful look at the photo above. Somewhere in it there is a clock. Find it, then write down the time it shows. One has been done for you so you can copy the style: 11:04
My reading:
6:23
